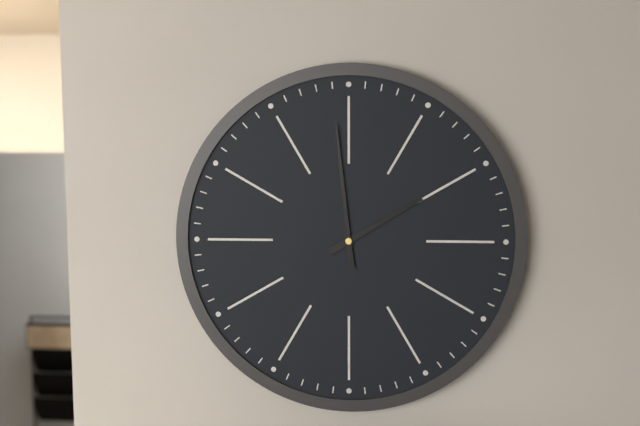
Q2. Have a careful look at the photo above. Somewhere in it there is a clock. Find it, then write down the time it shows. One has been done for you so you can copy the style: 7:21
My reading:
1:59
